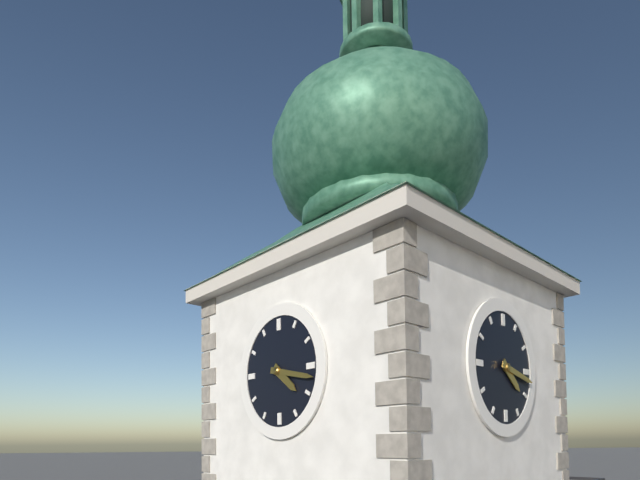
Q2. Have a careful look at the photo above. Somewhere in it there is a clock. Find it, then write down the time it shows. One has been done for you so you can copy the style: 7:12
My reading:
4:17
